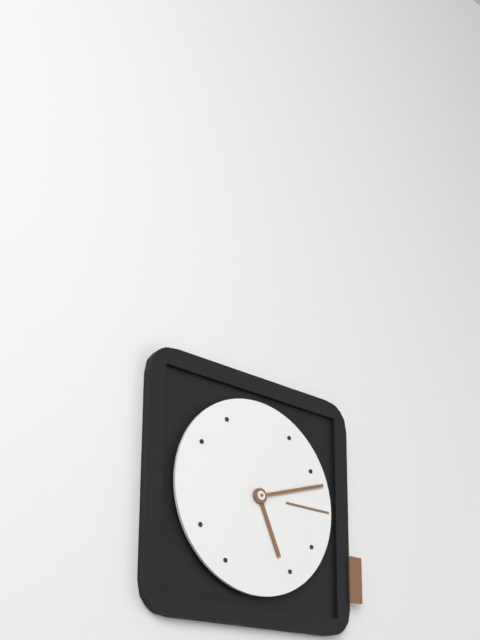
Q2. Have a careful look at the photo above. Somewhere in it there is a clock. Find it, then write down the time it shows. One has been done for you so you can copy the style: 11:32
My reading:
5:12
